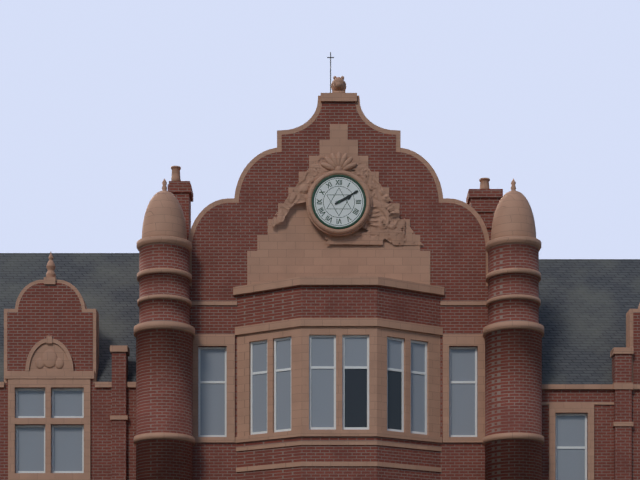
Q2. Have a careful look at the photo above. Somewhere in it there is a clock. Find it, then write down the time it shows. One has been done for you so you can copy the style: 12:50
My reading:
2:10
